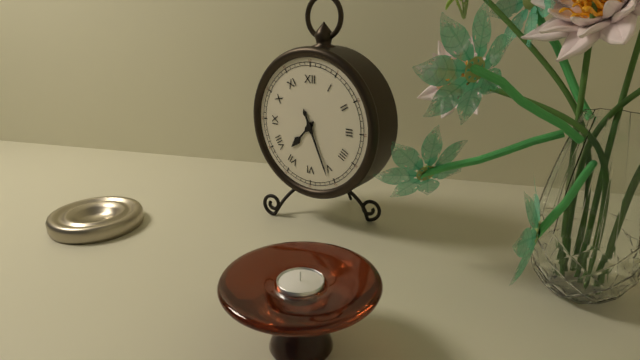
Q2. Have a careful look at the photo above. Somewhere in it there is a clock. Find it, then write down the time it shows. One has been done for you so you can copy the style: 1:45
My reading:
7:26
